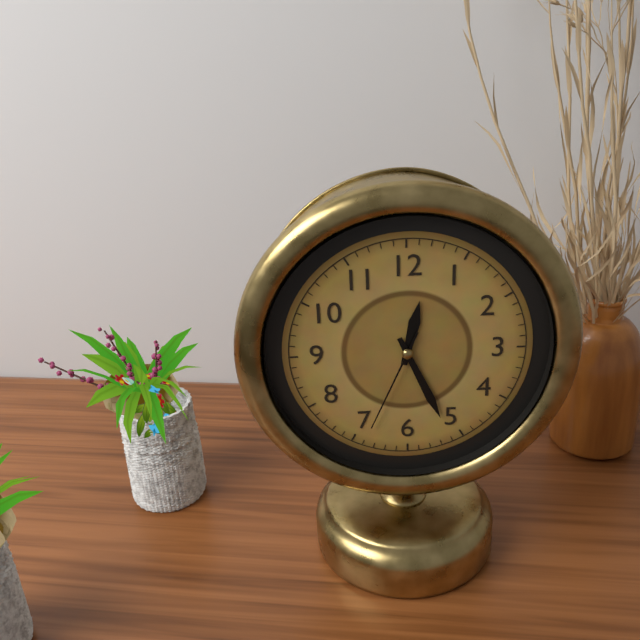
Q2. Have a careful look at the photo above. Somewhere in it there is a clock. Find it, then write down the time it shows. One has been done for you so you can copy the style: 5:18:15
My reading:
12:26:34
